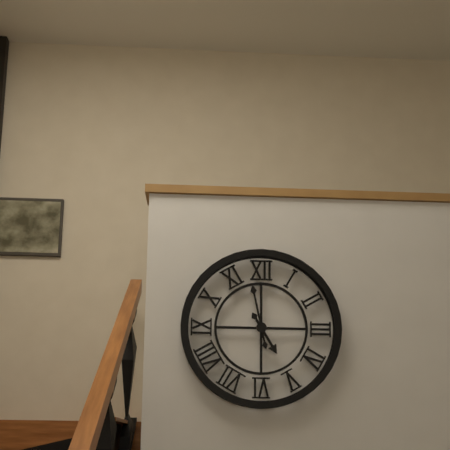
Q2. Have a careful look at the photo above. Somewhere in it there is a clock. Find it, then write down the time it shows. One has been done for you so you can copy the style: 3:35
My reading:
4:58
